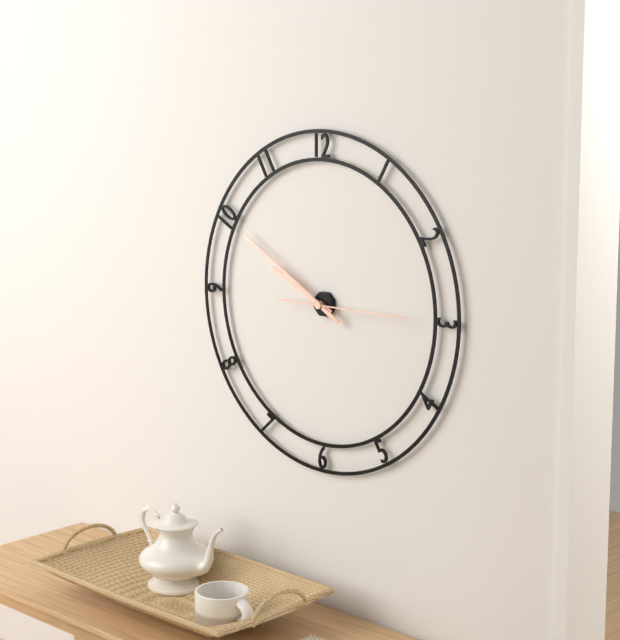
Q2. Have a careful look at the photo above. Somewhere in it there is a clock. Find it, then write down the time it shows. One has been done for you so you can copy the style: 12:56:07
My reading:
9:50:15
